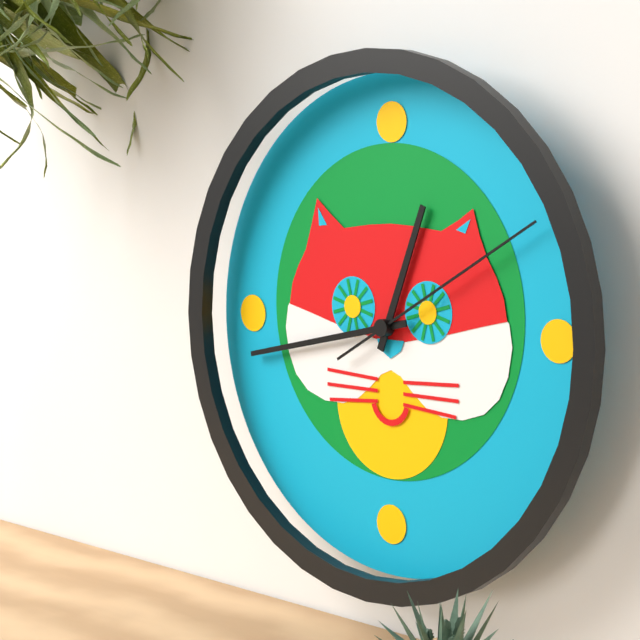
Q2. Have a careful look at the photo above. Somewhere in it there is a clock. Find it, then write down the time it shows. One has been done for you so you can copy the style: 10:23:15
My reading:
12:43:10
